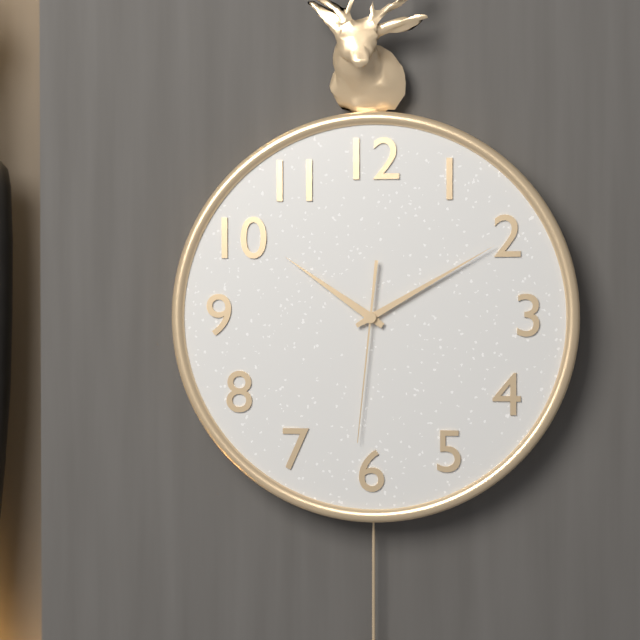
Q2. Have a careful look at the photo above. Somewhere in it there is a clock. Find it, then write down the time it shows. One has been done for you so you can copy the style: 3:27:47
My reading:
10:10:31
